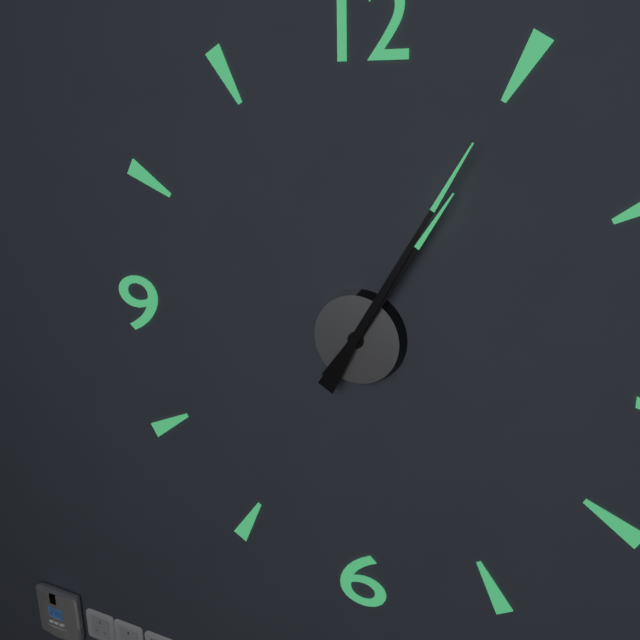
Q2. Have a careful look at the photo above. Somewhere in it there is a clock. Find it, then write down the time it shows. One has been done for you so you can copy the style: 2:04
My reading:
1:05
